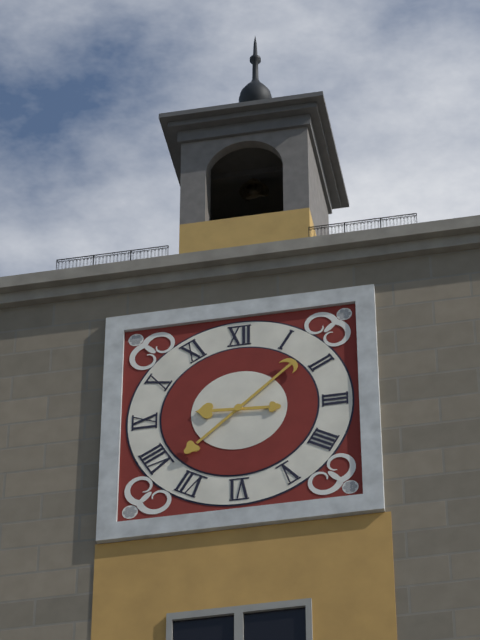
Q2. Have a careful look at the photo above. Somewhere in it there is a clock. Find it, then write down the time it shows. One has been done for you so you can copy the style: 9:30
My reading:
9:08
